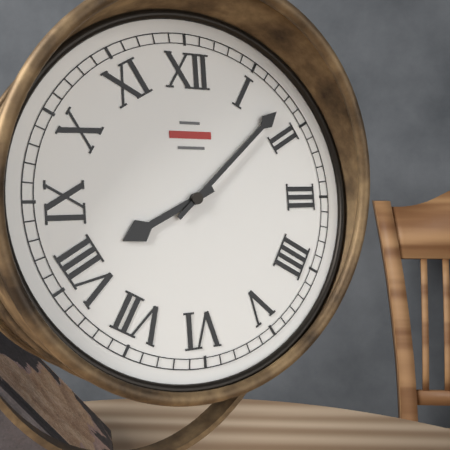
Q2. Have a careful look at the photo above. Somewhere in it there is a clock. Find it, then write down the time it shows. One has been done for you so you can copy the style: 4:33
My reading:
8:08
